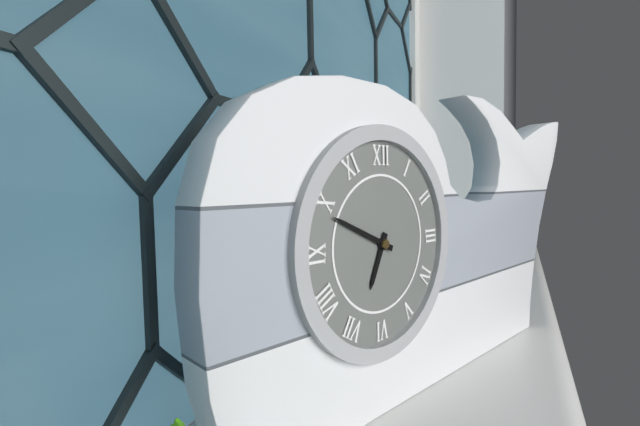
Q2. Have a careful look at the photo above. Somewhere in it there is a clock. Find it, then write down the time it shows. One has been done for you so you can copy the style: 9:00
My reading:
6:49
